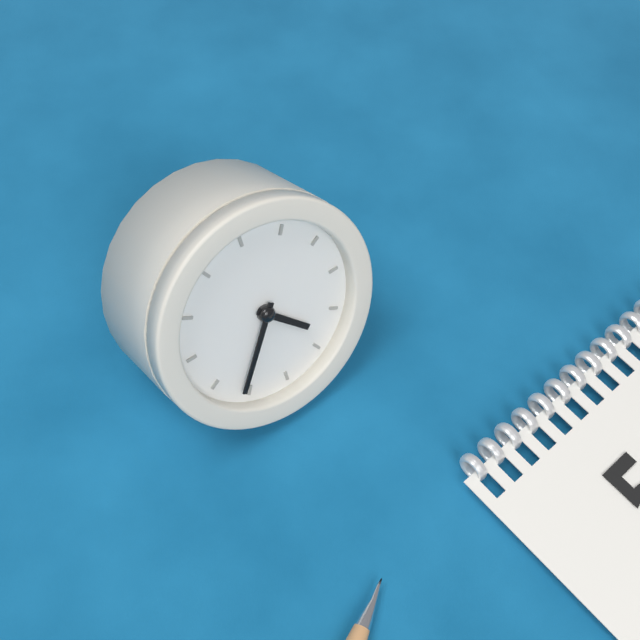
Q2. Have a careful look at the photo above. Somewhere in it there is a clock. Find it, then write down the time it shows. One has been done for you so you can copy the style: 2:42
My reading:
4:36
